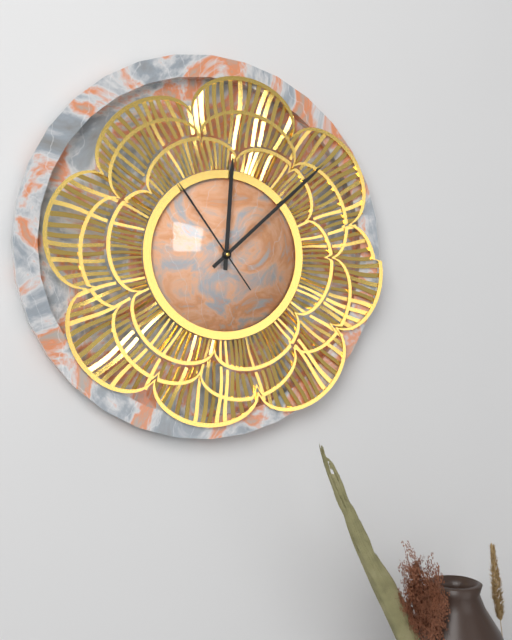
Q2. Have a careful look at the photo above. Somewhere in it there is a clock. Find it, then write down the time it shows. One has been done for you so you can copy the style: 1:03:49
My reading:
12:08:54
